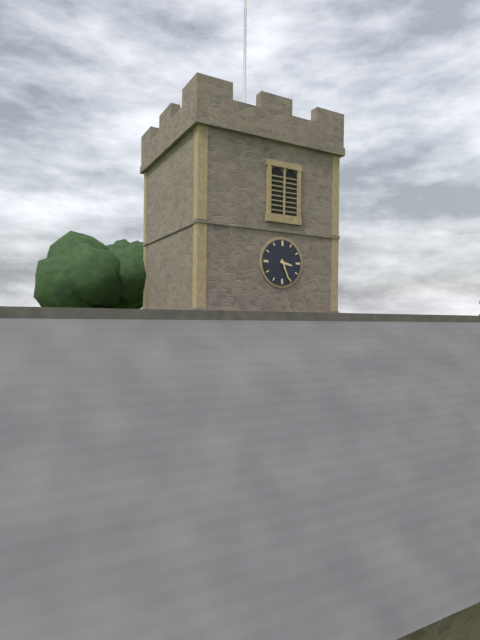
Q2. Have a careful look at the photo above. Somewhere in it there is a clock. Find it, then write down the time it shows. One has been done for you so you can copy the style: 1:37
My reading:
3:26
